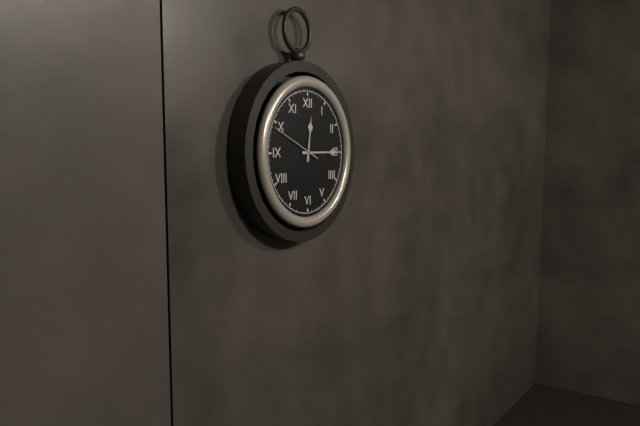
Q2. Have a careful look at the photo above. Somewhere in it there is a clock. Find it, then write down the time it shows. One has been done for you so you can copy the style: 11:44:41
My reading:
12:15:49
